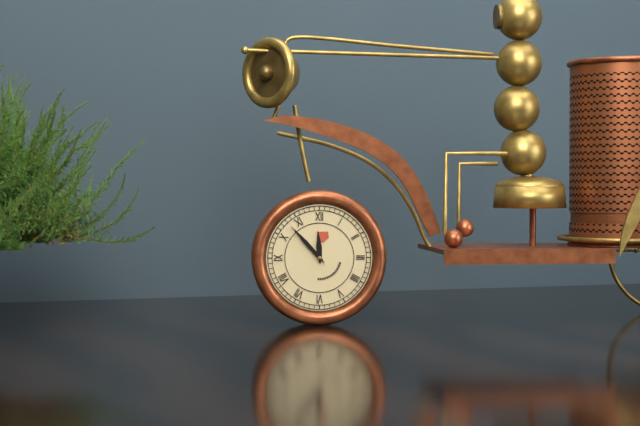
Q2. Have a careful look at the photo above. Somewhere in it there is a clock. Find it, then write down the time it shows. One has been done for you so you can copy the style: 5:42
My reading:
11:53
